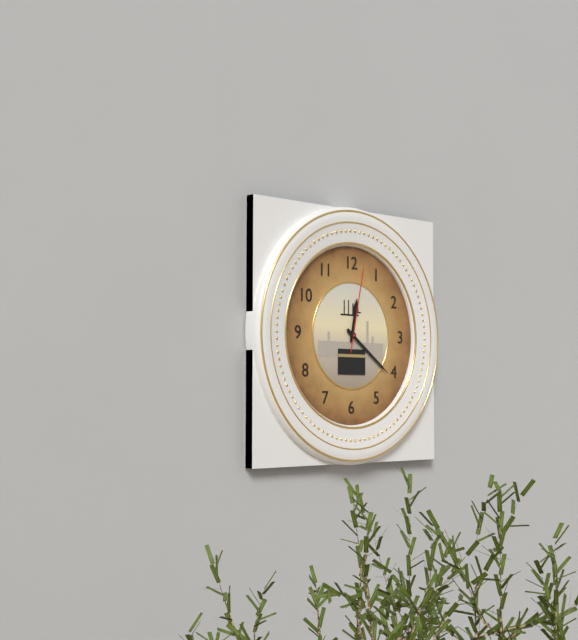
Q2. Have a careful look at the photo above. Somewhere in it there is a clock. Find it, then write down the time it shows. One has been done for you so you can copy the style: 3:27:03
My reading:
12:21:02
